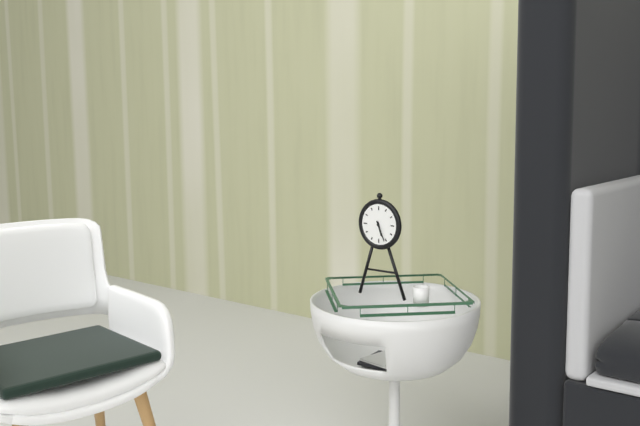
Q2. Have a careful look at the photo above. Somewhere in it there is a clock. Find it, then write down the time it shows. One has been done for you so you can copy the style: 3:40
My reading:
5:26
